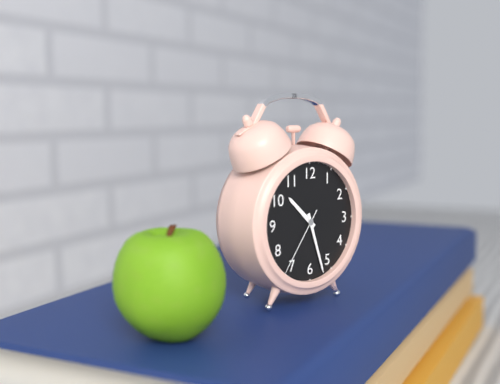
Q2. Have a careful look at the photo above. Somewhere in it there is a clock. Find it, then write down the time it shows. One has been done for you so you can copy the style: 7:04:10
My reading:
10:27:36
